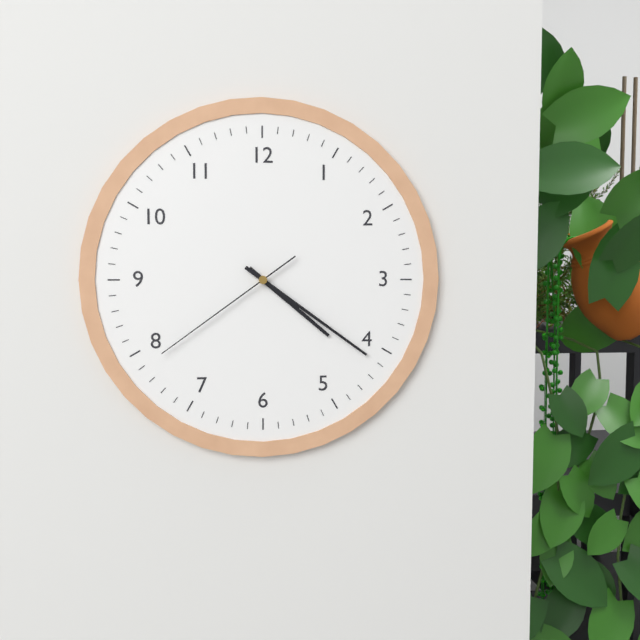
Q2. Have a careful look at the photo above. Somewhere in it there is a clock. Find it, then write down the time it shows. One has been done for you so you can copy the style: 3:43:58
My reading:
4:21:39
